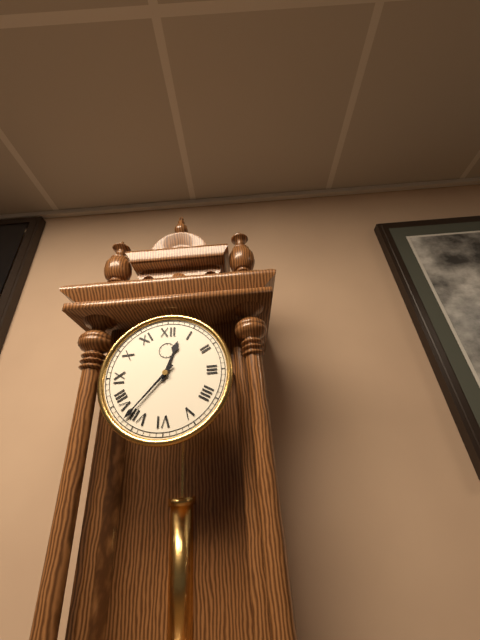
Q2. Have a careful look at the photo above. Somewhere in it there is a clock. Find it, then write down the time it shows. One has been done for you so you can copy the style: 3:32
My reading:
12:37
